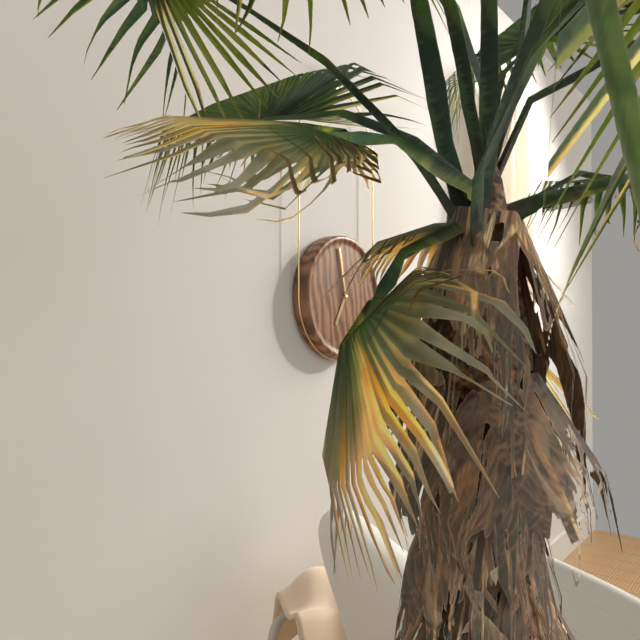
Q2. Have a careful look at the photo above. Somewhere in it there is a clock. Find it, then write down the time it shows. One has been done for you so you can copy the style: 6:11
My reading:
6:58
